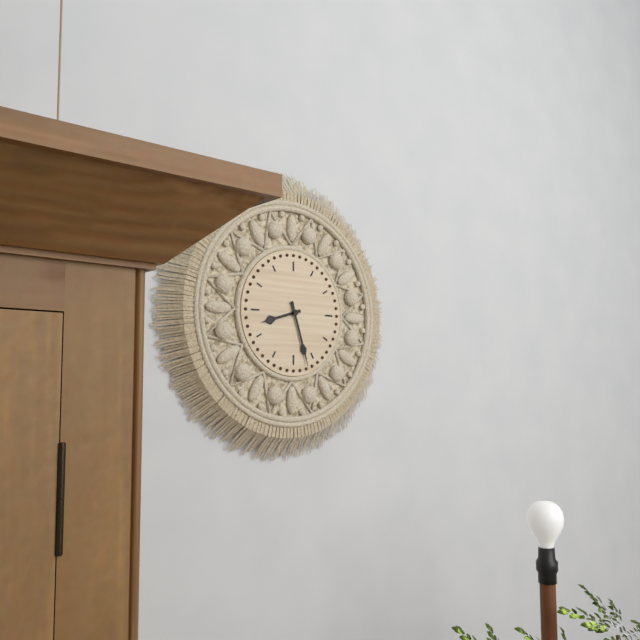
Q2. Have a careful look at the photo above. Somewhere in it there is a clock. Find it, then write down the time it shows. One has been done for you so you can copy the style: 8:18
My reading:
8:27
